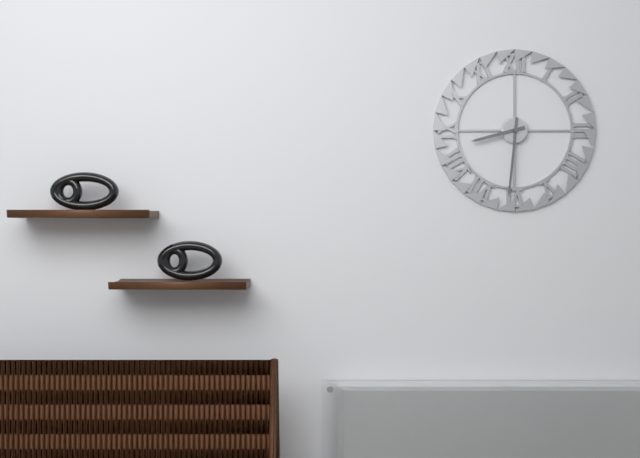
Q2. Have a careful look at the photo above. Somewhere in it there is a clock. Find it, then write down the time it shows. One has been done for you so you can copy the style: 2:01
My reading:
8:31
